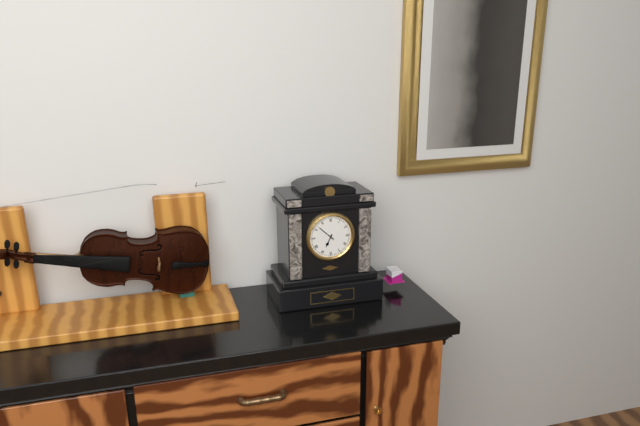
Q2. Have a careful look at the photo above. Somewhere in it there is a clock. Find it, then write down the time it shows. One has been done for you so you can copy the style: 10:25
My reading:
6:52
